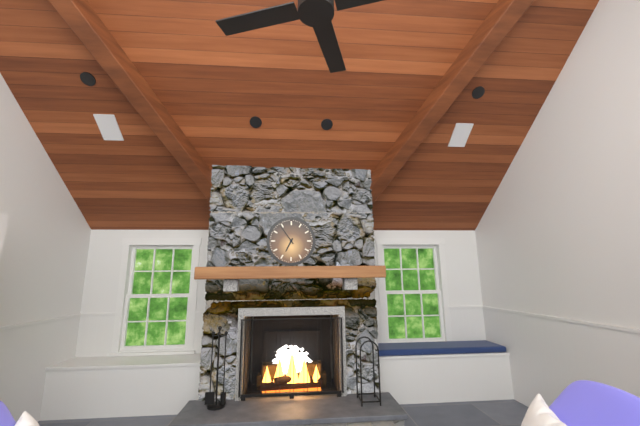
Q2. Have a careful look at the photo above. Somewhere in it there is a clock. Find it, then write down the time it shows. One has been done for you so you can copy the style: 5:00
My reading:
6:54
